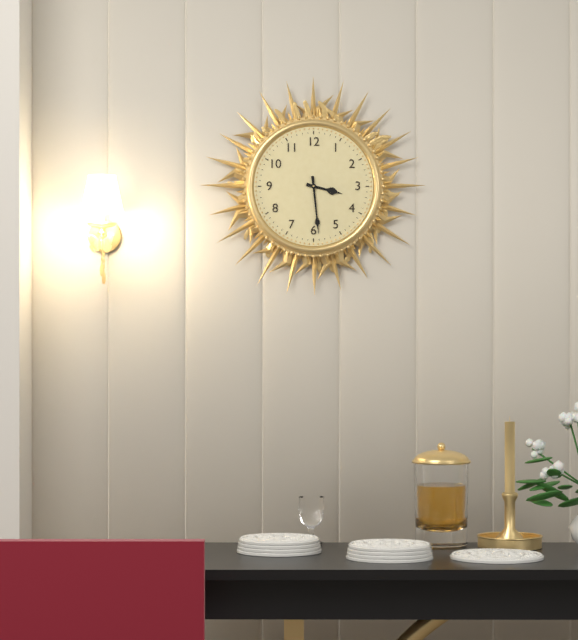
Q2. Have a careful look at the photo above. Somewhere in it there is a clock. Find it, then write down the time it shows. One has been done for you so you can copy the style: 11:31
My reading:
3:29
